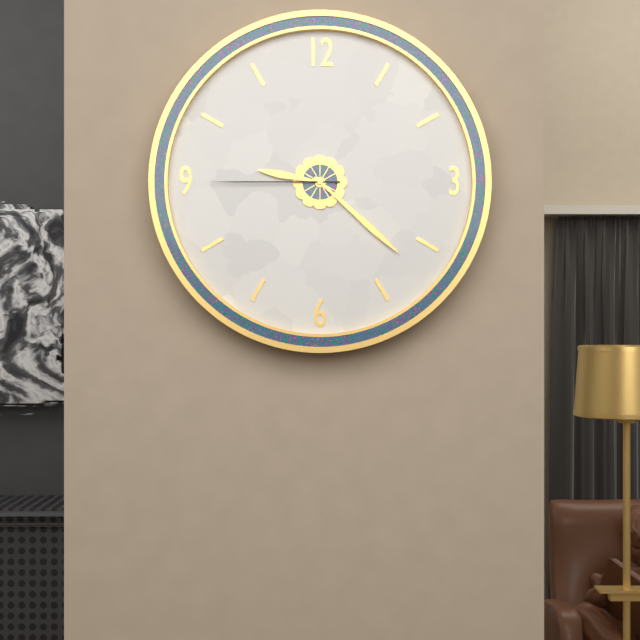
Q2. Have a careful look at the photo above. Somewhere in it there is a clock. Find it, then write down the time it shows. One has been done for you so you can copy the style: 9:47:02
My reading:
9:22:45
